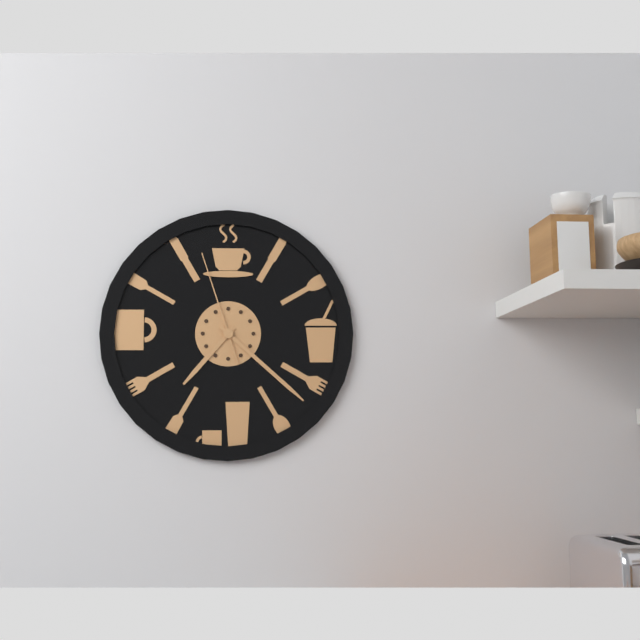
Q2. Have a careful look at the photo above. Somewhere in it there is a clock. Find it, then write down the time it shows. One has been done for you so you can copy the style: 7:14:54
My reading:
7:22:57
